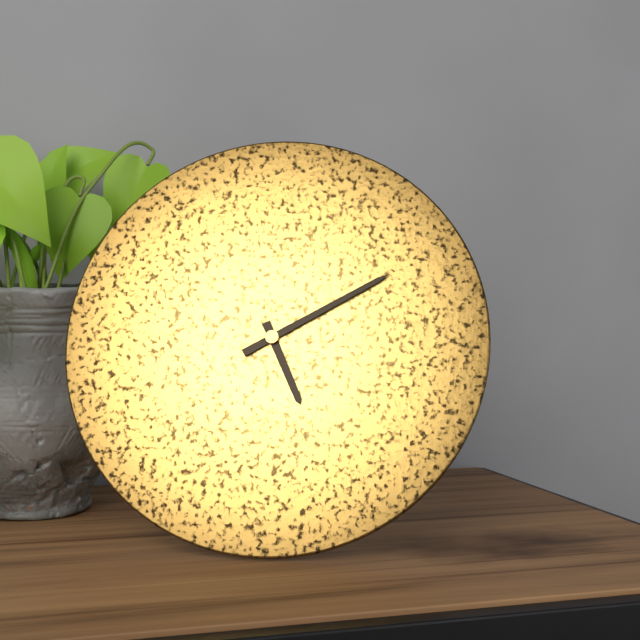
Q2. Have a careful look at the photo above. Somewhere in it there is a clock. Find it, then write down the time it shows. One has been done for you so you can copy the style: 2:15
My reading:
5:10
